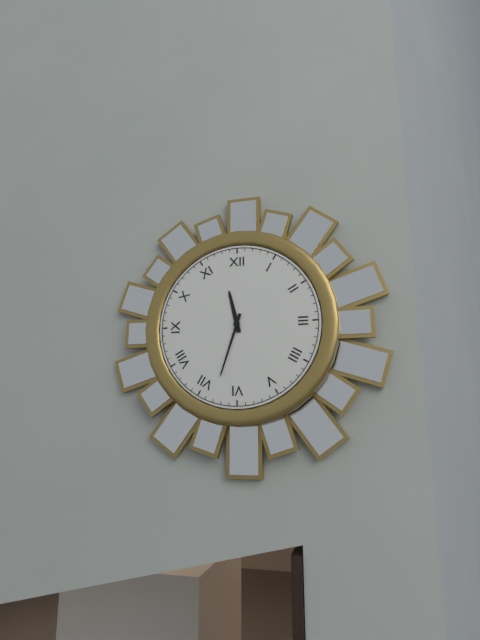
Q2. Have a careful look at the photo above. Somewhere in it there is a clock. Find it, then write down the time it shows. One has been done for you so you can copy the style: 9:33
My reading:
11:33
